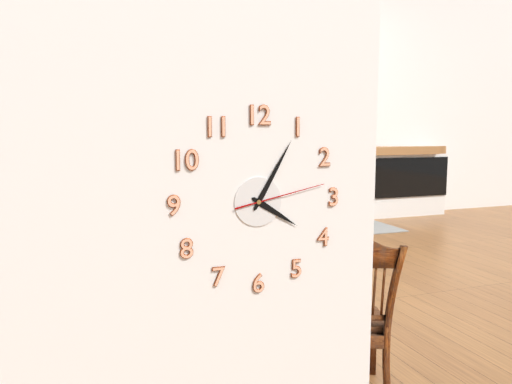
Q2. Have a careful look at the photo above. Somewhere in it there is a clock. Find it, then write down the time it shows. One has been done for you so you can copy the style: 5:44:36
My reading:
4:05:13
